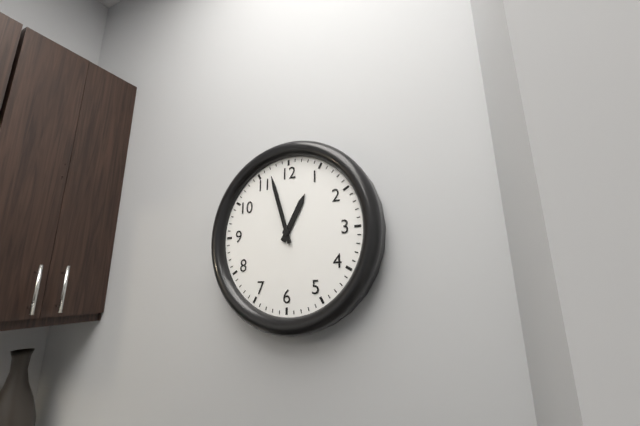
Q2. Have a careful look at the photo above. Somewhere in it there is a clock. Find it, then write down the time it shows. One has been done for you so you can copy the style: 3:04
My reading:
12:57
